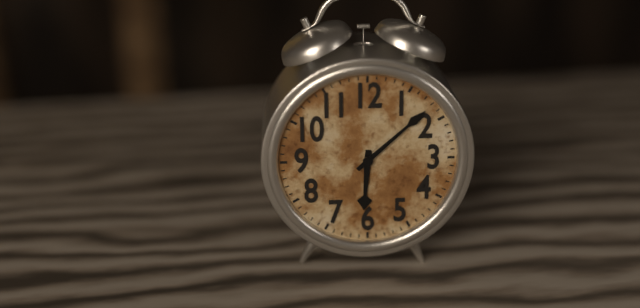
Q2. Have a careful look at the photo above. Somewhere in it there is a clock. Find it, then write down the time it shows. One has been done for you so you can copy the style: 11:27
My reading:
6:08
